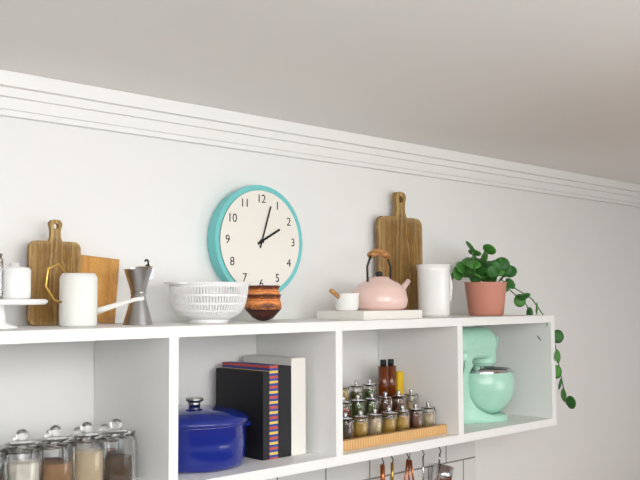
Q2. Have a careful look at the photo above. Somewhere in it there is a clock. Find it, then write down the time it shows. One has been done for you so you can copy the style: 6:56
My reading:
2:03
